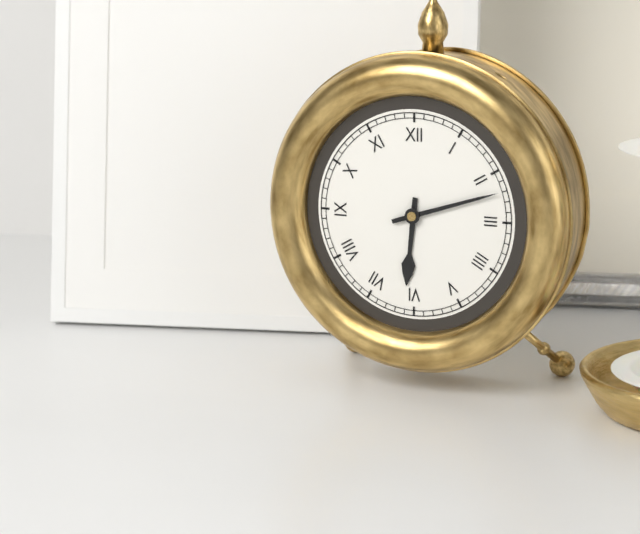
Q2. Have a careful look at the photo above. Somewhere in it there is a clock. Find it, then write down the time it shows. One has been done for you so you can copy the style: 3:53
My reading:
6:12
